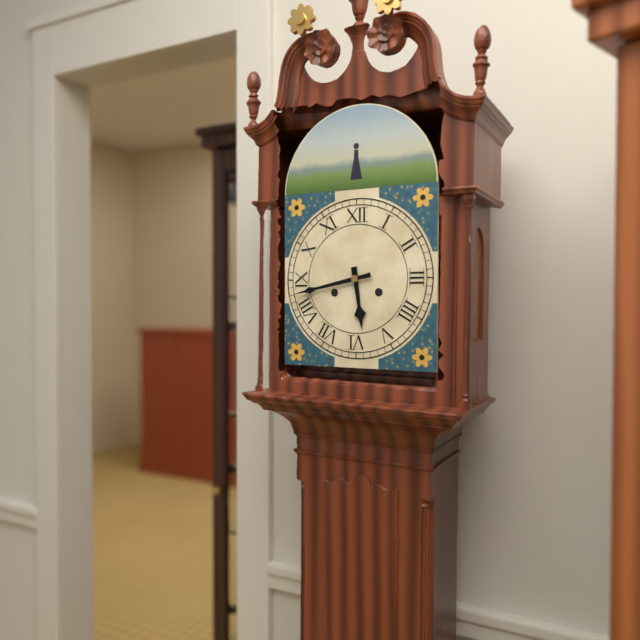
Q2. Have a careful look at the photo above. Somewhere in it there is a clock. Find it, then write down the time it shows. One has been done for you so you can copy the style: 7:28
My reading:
5:43
